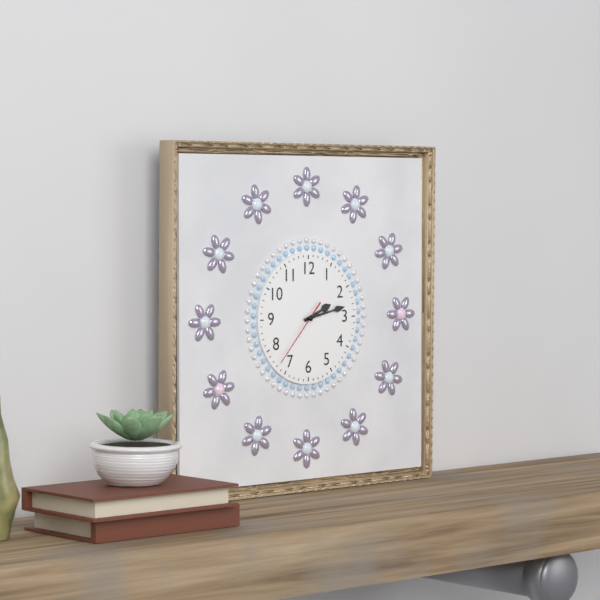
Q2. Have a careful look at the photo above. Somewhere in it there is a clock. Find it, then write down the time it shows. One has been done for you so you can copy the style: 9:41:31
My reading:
2:13:37
